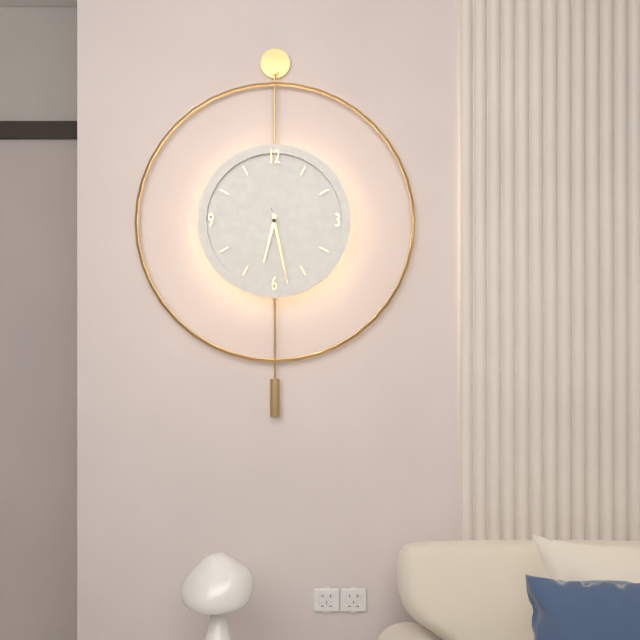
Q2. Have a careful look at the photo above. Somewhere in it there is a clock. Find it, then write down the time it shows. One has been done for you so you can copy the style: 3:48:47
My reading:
6:28:28
